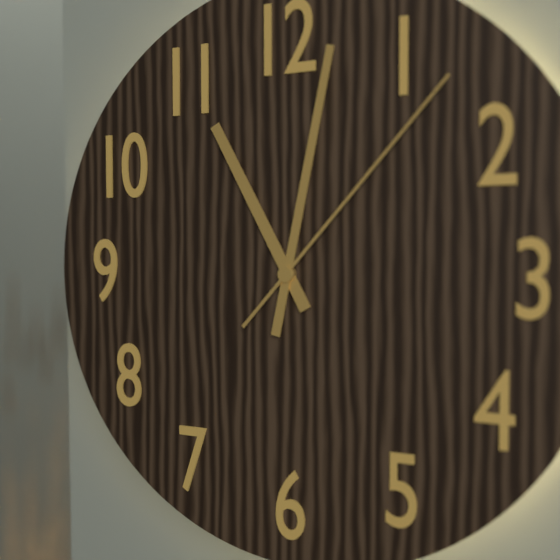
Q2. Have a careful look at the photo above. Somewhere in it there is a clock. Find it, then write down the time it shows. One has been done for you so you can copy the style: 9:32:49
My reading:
11:02:07
